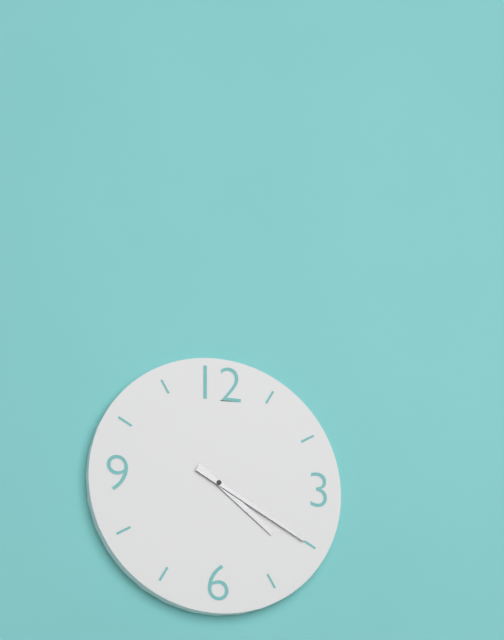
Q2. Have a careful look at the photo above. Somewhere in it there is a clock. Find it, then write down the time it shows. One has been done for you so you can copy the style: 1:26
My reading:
4:20
